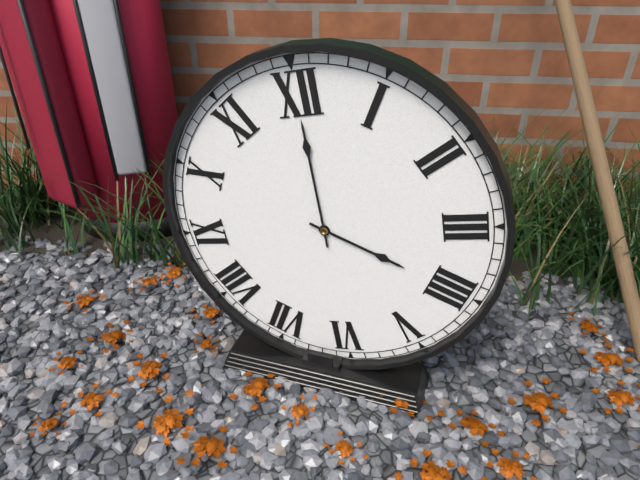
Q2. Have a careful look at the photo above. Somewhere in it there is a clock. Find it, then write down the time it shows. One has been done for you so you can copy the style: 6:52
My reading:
4:00
